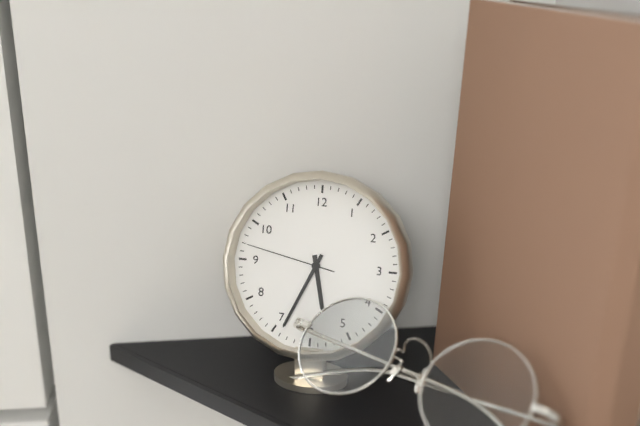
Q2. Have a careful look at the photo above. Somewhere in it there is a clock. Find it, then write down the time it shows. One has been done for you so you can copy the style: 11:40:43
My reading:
5:34:47
